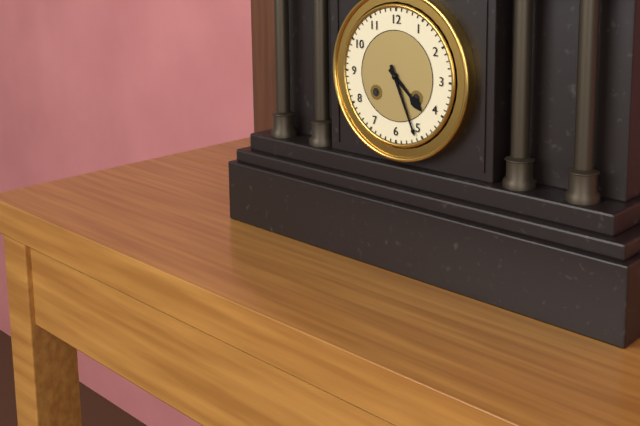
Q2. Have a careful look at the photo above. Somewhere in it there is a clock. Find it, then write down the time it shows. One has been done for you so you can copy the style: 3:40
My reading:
4:26
